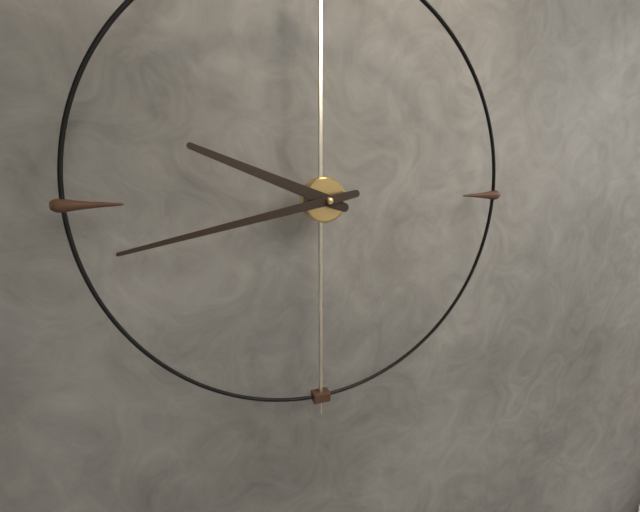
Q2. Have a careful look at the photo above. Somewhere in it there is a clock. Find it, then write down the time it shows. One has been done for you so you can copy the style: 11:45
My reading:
9:43
